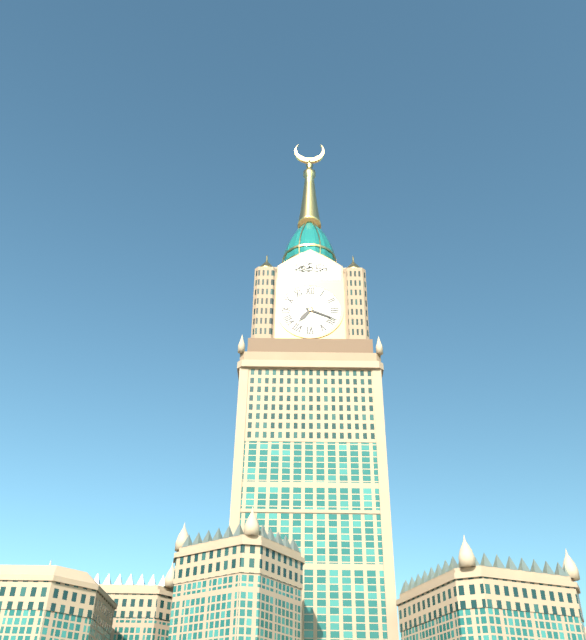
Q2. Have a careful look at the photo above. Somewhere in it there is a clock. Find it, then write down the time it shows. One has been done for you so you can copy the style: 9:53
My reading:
7:19
